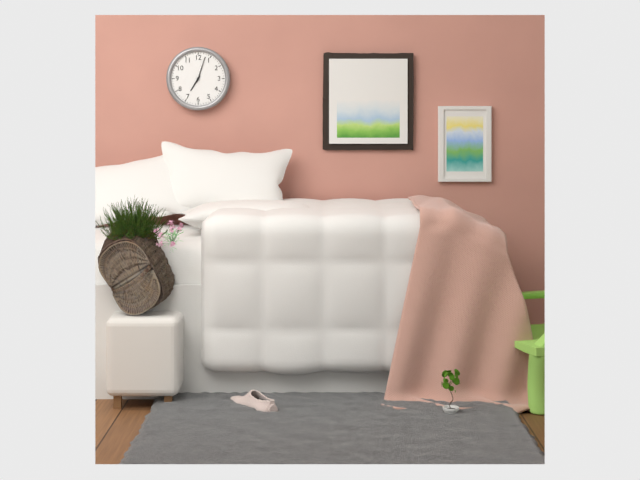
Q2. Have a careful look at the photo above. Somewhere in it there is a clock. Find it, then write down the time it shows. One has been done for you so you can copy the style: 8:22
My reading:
7:03
